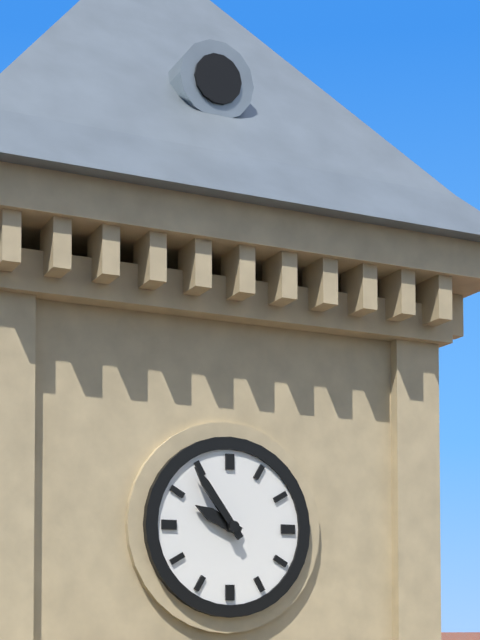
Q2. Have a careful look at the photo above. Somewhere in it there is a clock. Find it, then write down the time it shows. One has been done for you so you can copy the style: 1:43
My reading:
9:54
